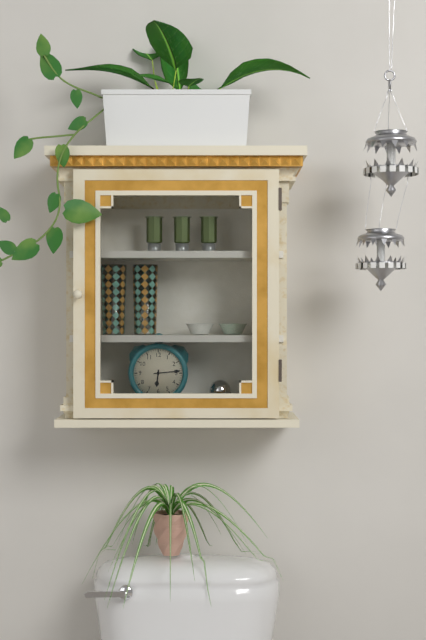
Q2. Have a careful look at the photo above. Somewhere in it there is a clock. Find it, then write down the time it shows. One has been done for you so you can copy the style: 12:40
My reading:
6:14
